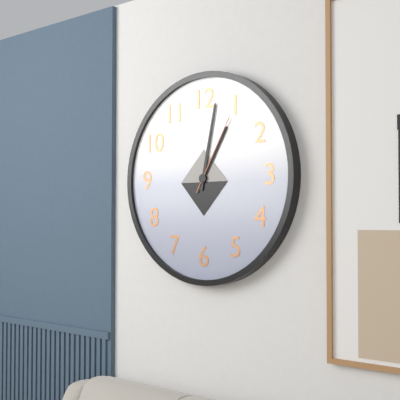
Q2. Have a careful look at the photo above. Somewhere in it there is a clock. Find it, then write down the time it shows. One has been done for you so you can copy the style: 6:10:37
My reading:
1:02:05
